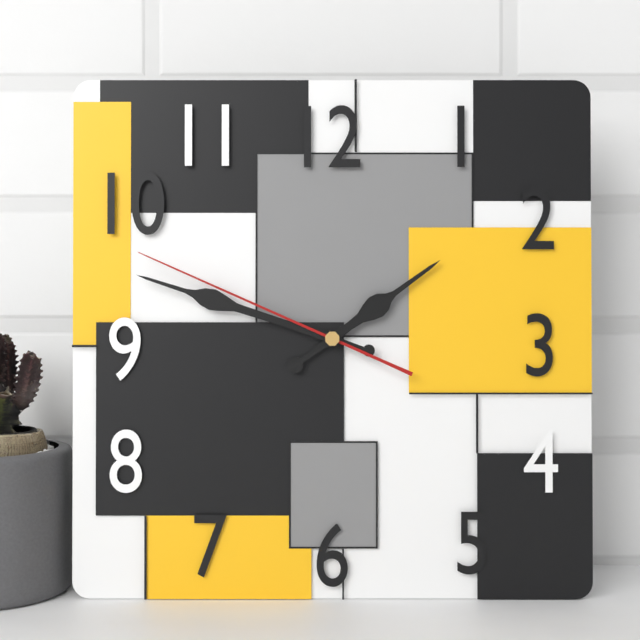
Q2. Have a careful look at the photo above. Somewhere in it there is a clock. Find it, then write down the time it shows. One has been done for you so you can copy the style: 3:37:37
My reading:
1:48:49
